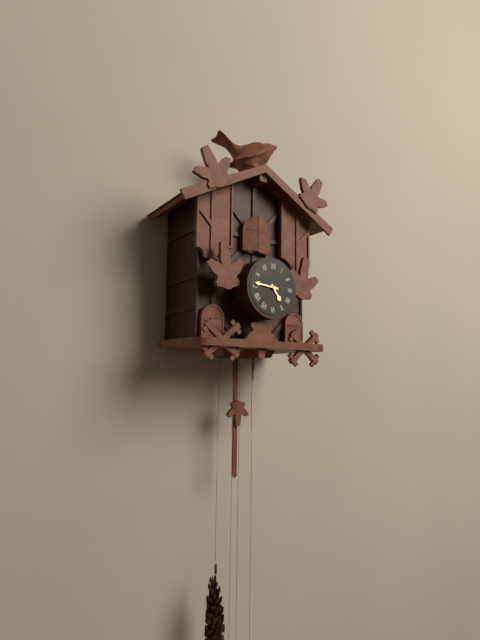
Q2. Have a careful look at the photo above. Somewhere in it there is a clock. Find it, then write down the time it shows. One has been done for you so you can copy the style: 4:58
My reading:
4:46
